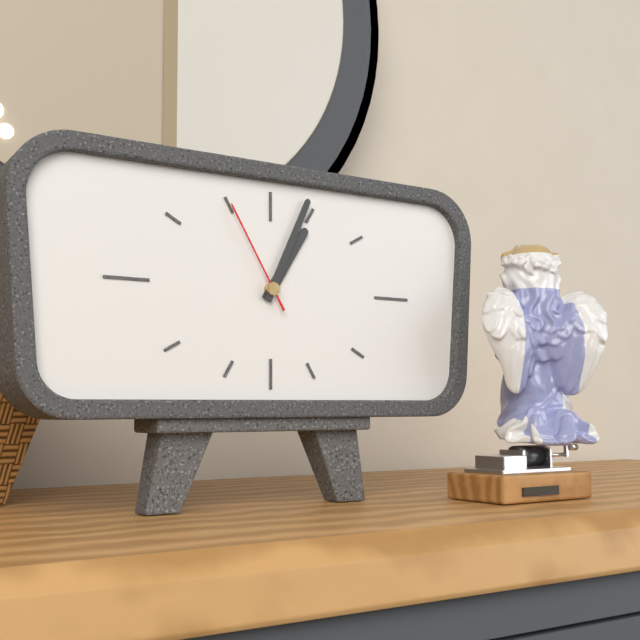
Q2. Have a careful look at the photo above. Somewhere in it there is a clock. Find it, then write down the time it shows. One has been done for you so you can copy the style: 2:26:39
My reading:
1:04:55
